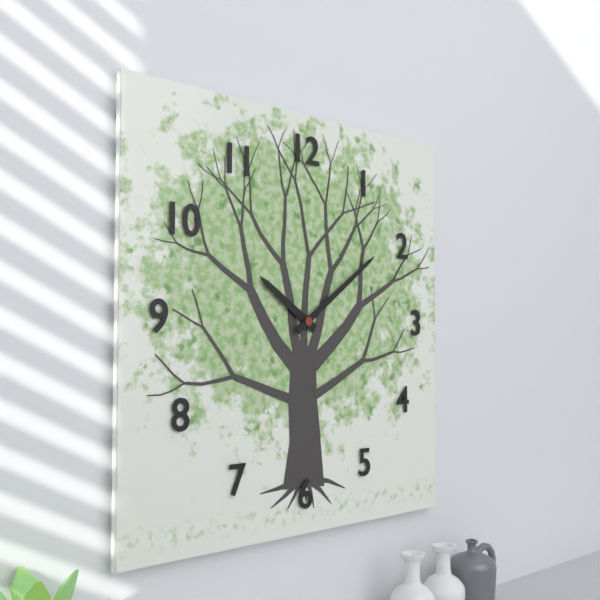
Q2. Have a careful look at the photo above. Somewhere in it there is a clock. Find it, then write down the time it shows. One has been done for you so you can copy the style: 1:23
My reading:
10:09
